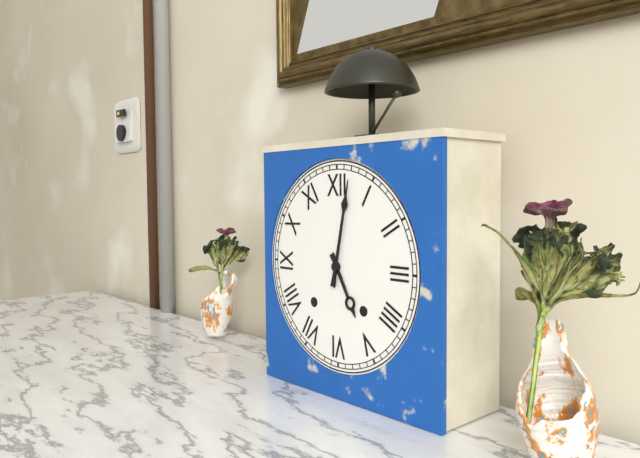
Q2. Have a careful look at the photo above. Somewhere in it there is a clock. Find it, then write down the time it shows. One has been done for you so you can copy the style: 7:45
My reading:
5:02
